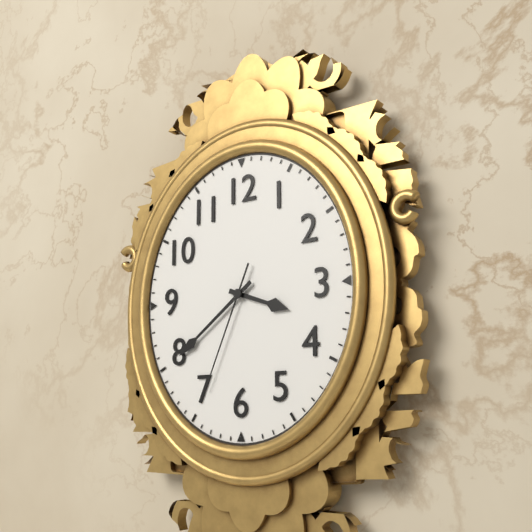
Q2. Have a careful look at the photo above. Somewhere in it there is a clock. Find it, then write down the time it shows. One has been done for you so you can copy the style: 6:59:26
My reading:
3:39:34
